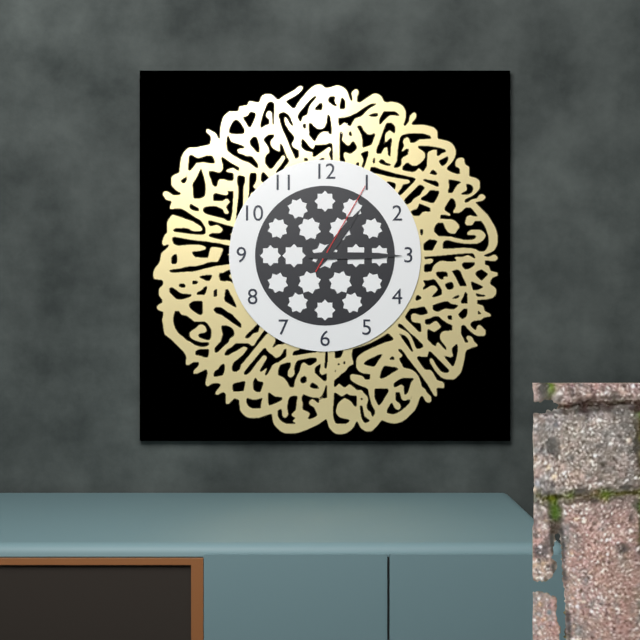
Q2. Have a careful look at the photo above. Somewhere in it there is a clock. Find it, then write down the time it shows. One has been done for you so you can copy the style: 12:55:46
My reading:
1:15:05
